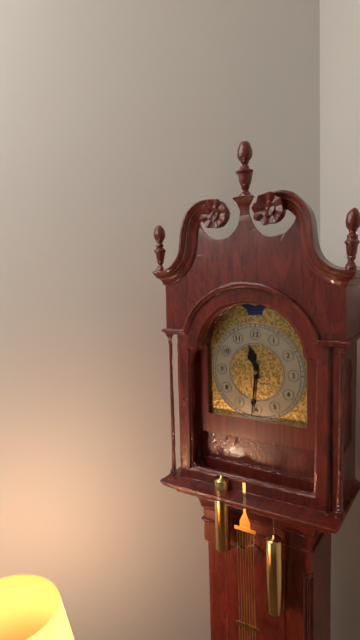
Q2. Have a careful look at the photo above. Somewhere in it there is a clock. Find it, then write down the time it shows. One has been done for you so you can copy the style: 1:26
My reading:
11:31
